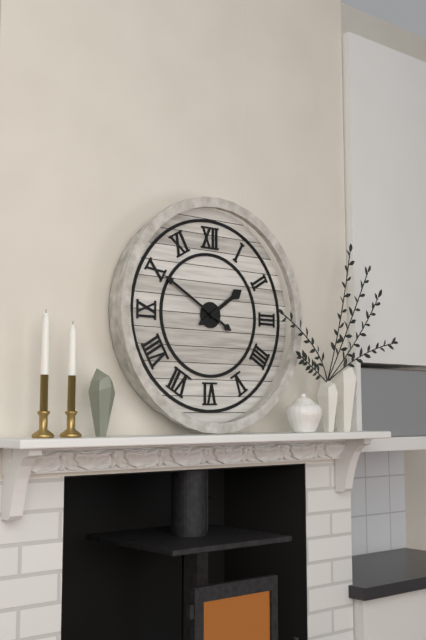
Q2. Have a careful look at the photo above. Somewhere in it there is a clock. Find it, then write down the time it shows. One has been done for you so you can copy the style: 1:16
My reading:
1:50
